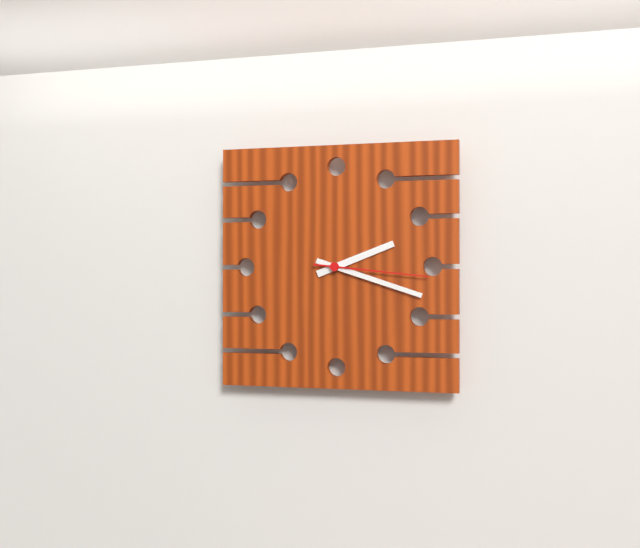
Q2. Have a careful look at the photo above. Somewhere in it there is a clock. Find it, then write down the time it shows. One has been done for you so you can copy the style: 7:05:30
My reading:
2:18:16
